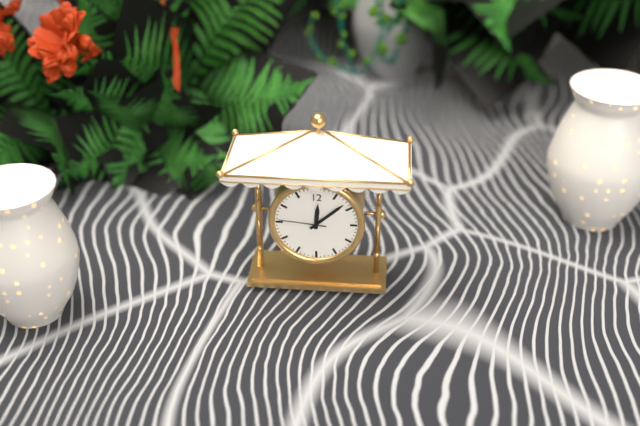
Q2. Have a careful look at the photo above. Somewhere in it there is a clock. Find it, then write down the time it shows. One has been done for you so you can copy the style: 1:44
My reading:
12:08
